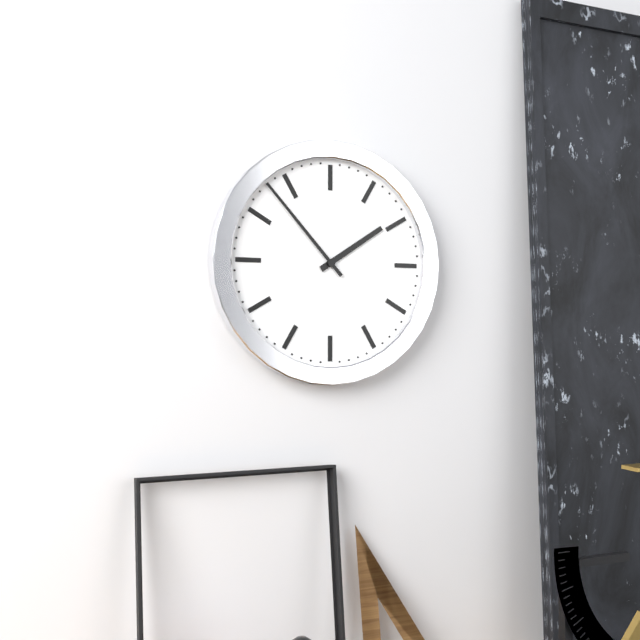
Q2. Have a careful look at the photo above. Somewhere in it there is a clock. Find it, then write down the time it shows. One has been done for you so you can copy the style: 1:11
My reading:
1:53
